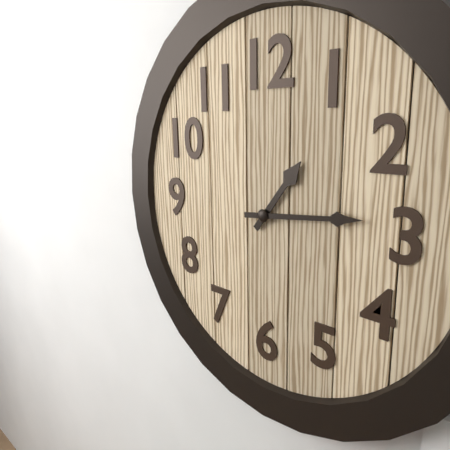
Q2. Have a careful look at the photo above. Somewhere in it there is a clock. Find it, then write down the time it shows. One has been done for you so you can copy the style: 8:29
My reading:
1:14
